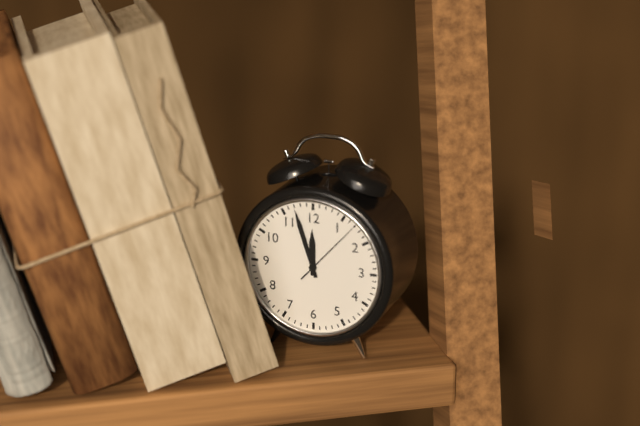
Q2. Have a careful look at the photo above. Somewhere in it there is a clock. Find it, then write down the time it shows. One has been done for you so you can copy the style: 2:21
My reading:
11:57
